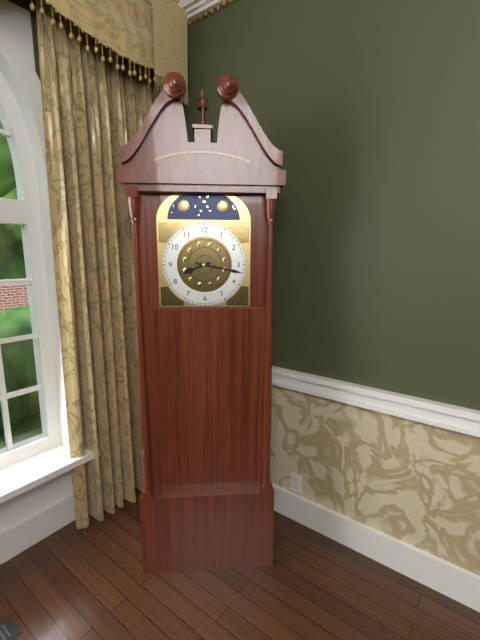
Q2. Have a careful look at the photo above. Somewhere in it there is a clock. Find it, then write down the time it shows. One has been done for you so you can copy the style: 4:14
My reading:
8:17
